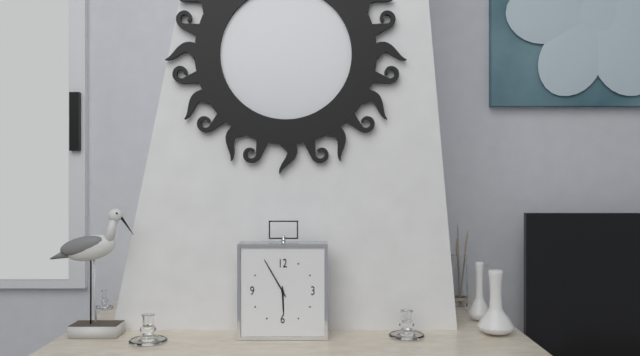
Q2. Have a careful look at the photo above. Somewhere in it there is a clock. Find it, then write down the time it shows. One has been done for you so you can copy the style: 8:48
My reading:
5:55
